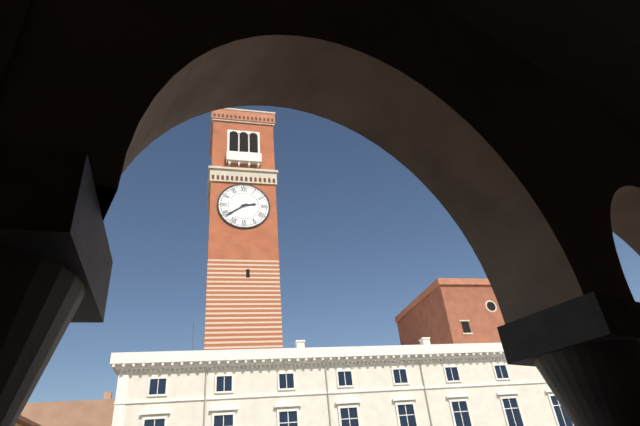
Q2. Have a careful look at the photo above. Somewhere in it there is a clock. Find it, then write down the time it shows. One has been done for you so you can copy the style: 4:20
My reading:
2:39
